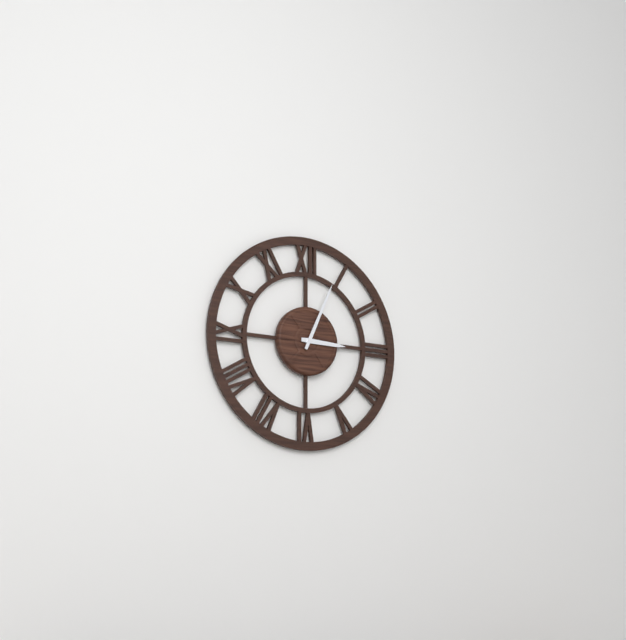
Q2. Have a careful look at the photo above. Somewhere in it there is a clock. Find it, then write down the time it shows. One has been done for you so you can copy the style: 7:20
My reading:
3:04
